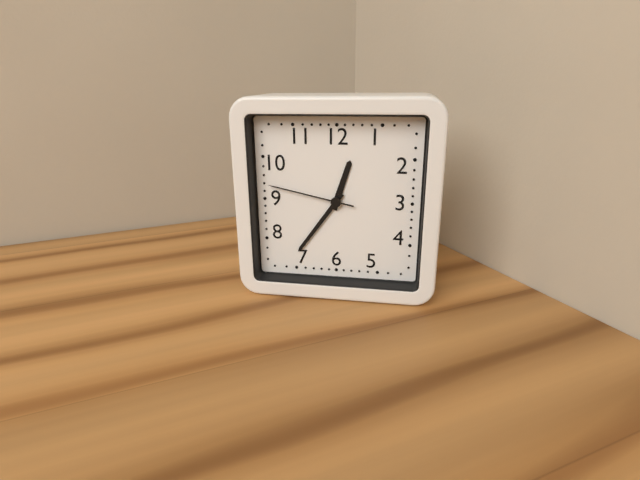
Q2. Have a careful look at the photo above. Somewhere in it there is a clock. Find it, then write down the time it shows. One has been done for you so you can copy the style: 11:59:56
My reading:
12:36:47
